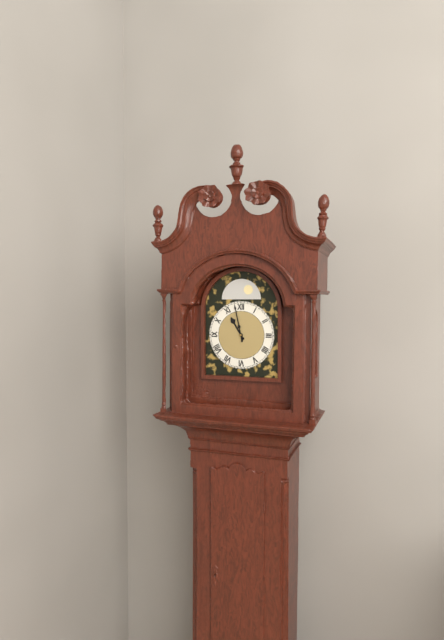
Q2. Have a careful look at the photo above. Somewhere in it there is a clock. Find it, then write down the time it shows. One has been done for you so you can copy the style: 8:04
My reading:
10:58
